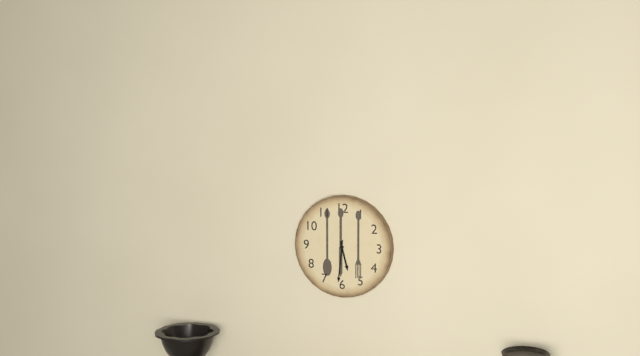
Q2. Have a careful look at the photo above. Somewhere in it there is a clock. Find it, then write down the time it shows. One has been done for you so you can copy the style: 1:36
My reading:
5:31
